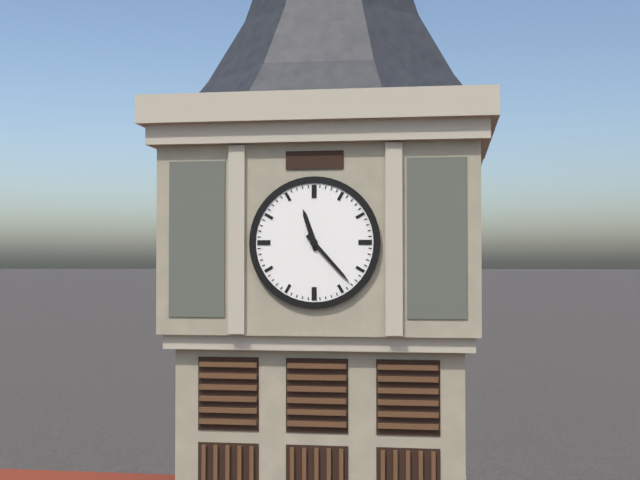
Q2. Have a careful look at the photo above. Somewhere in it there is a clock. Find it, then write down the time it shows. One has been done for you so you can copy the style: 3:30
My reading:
11:23
